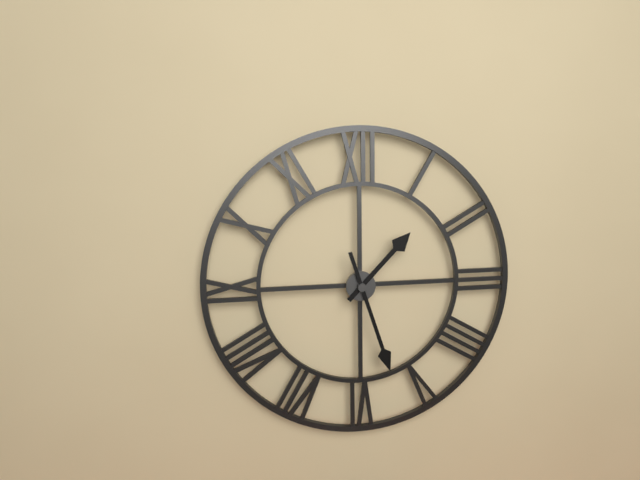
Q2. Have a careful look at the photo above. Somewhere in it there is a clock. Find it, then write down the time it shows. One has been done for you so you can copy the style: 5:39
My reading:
1:27
